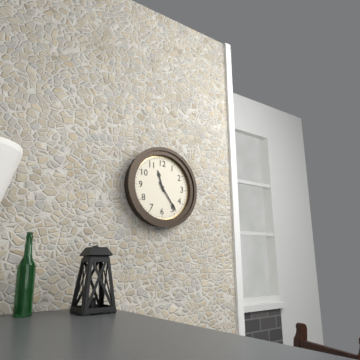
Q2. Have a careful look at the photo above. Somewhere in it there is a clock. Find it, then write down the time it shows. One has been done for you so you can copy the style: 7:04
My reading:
11:24
